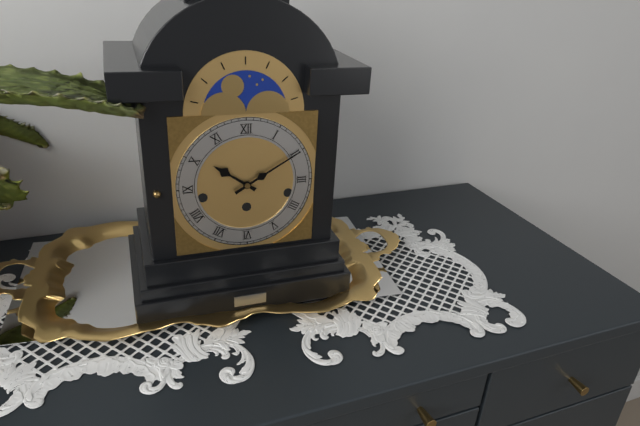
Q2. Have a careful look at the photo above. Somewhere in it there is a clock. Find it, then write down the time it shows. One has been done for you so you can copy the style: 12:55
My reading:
10:10
